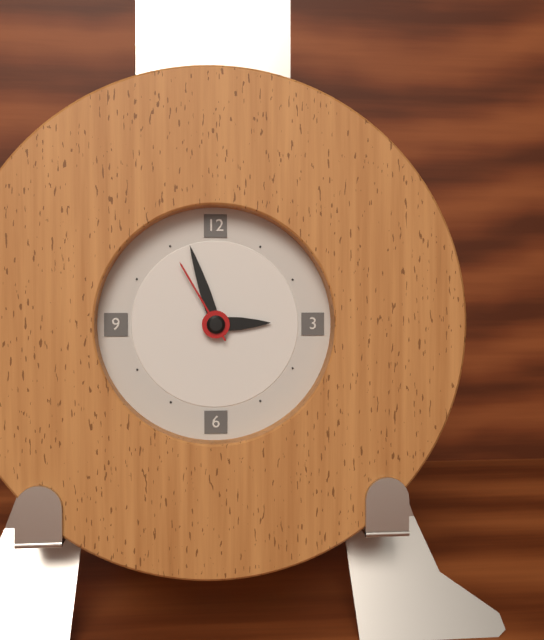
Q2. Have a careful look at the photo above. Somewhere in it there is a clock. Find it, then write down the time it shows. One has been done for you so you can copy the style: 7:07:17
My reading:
2:57:55
